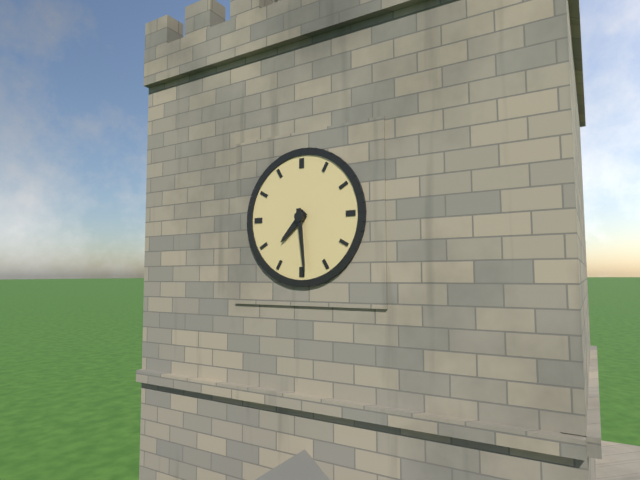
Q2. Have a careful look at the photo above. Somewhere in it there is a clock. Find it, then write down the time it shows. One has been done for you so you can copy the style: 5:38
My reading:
7:29
